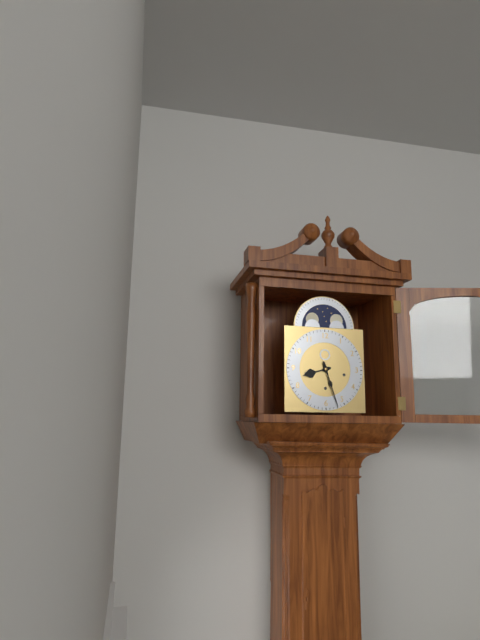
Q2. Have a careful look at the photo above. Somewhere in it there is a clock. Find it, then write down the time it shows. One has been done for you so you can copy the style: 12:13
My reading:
8:27
